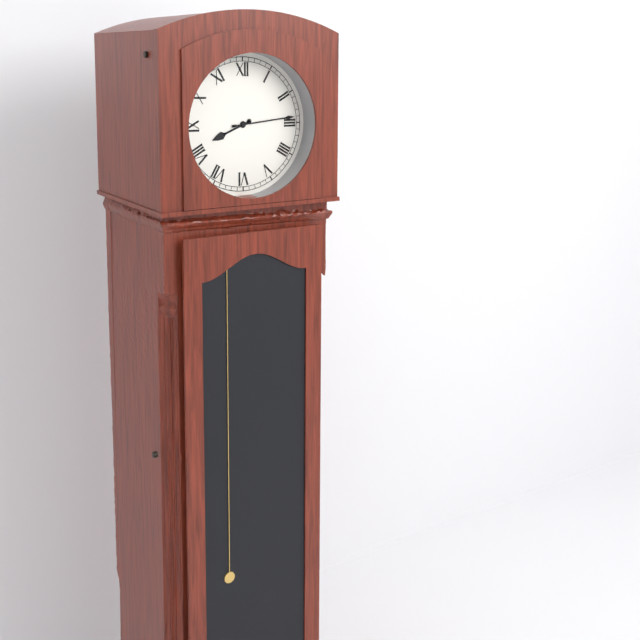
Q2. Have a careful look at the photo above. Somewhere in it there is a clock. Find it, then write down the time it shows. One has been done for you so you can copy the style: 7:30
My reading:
8:14
